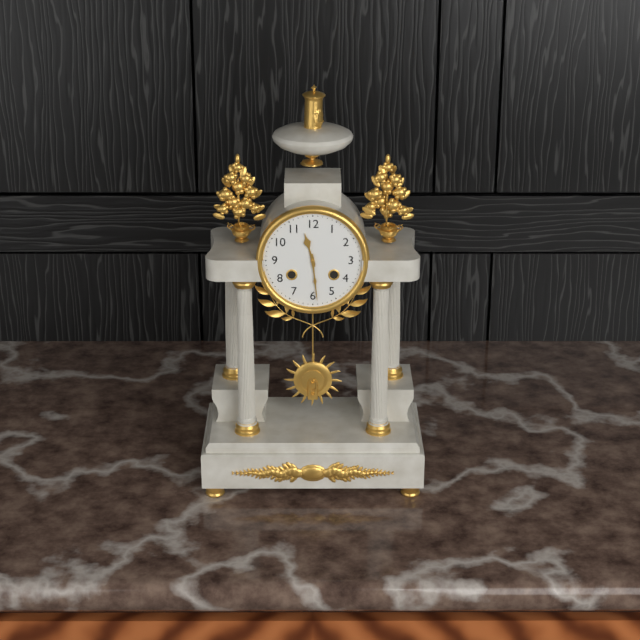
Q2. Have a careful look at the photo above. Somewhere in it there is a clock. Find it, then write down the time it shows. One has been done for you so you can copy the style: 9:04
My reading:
11:29
